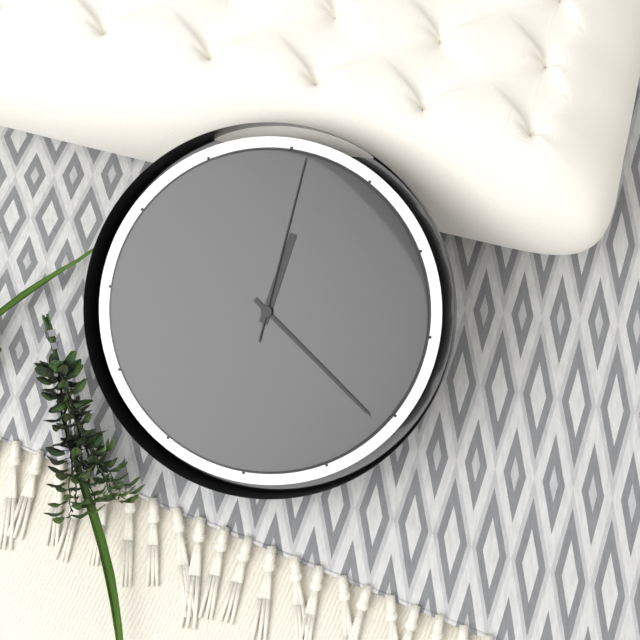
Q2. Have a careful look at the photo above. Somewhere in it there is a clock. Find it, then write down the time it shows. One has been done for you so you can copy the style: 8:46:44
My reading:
12:21:01
